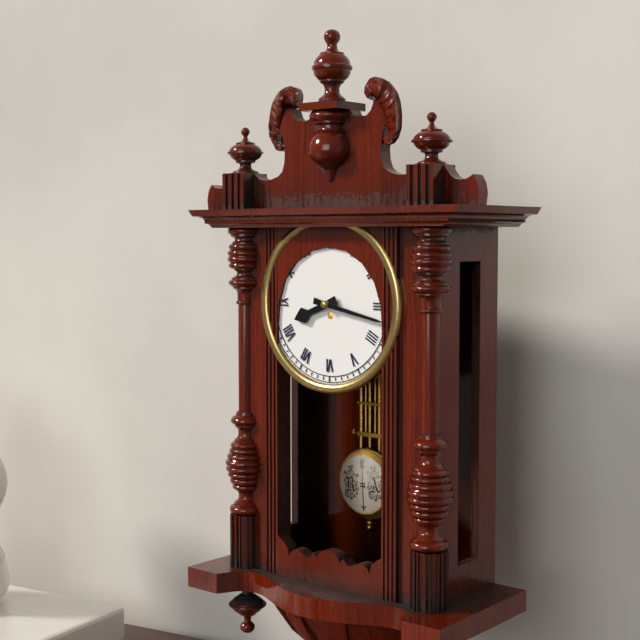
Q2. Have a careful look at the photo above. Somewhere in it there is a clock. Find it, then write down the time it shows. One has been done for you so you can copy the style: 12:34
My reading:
8:17
